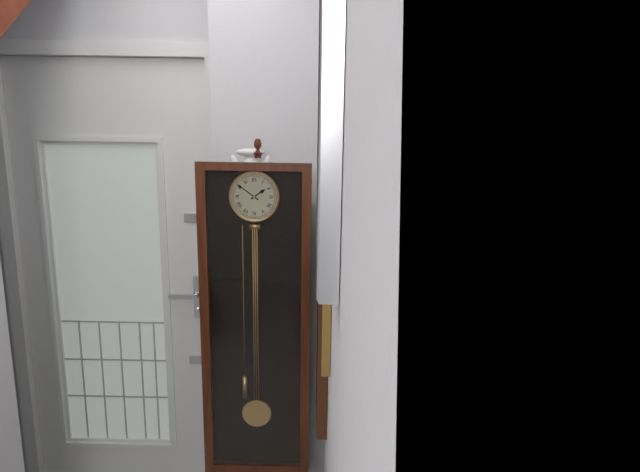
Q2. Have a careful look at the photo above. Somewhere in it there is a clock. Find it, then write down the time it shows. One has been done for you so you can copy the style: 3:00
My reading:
1:51
